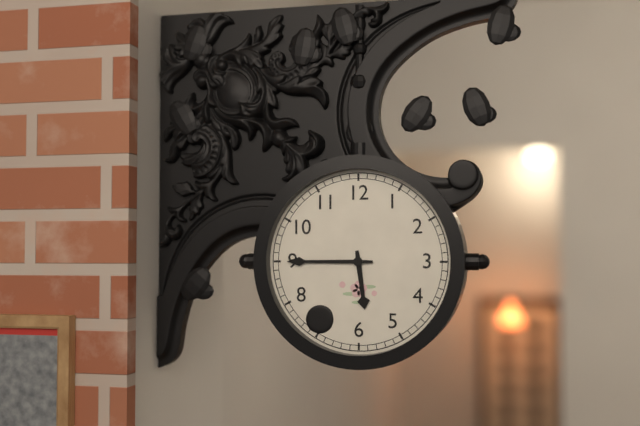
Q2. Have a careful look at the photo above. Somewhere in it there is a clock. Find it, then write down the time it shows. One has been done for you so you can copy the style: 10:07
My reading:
5:45
